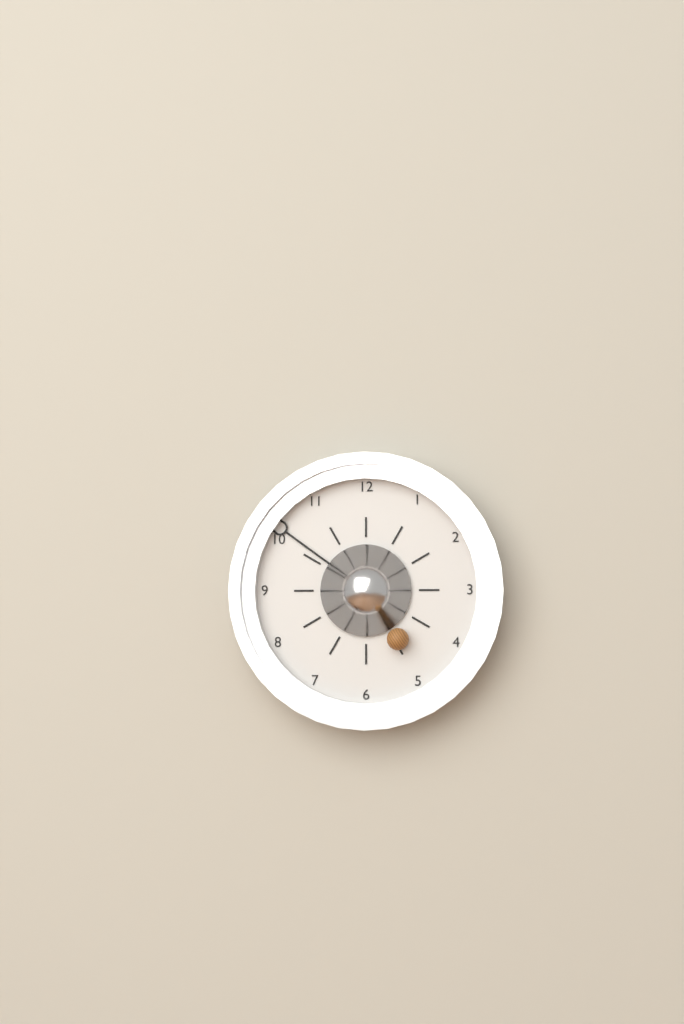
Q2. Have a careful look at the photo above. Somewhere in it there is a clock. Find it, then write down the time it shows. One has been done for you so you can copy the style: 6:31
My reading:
4:51
